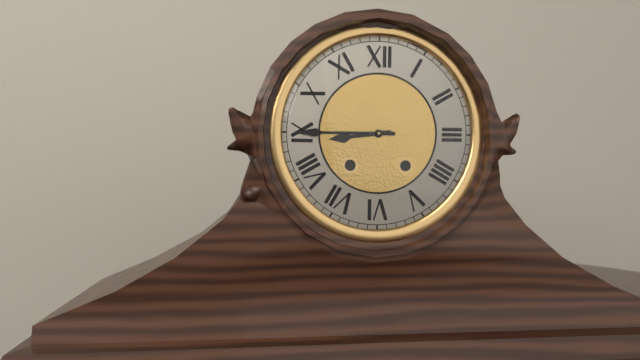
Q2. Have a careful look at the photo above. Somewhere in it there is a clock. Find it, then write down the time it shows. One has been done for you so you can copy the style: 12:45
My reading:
8:45
